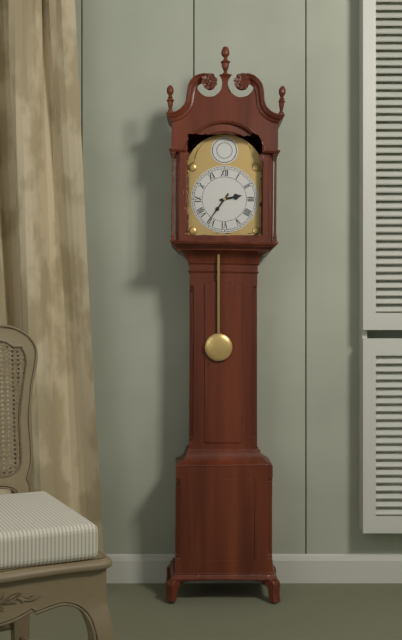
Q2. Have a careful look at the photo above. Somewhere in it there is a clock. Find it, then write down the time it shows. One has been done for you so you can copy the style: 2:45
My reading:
2:36
